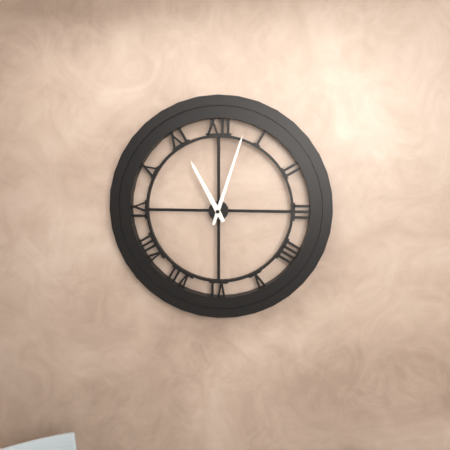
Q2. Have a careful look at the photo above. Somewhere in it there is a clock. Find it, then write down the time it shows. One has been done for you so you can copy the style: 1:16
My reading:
11:03
